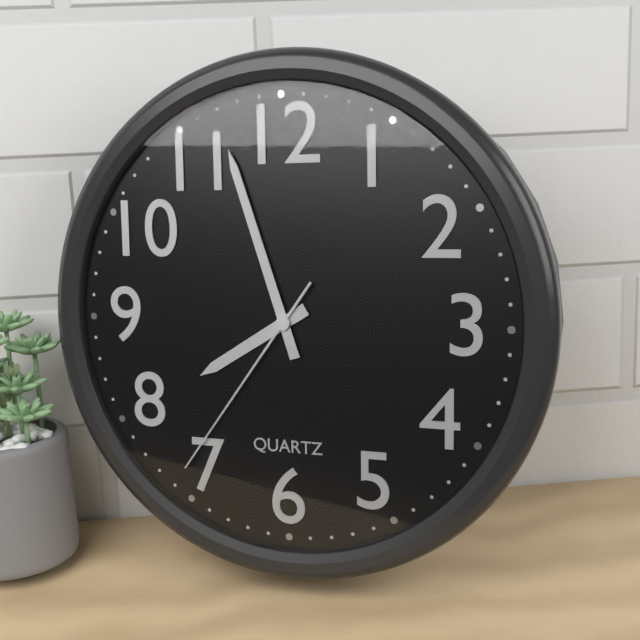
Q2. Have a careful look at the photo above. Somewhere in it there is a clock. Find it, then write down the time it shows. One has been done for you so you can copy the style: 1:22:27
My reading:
7:57:36
